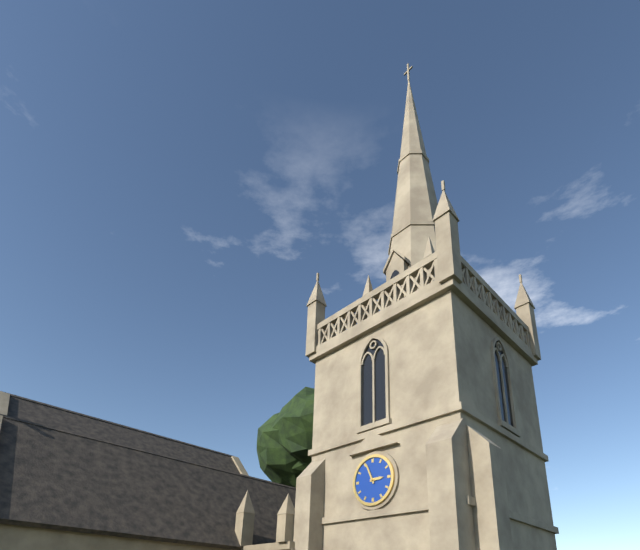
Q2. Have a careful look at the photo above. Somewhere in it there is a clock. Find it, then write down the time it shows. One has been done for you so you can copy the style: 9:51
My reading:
2:56
